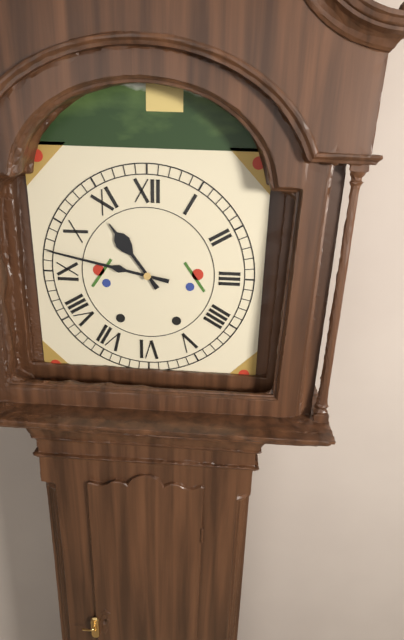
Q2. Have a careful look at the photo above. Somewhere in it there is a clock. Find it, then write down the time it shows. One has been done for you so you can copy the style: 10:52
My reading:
10:47
